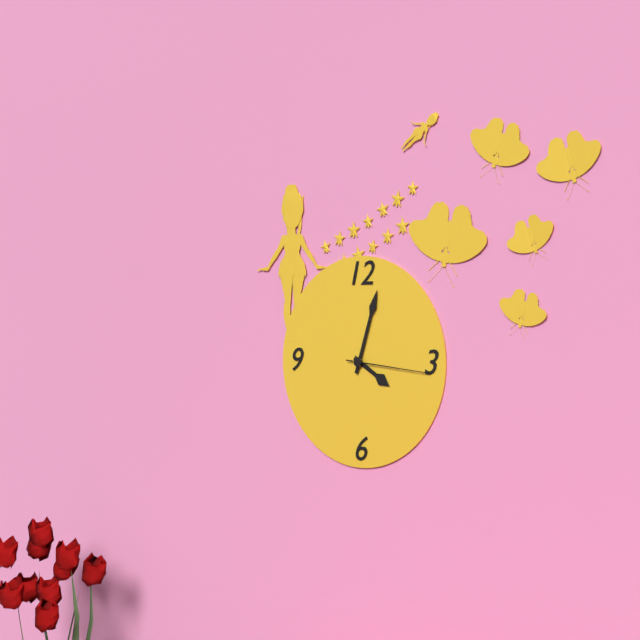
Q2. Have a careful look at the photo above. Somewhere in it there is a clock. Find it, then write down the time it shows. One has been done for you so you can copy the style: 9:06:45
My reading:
4:03:16
